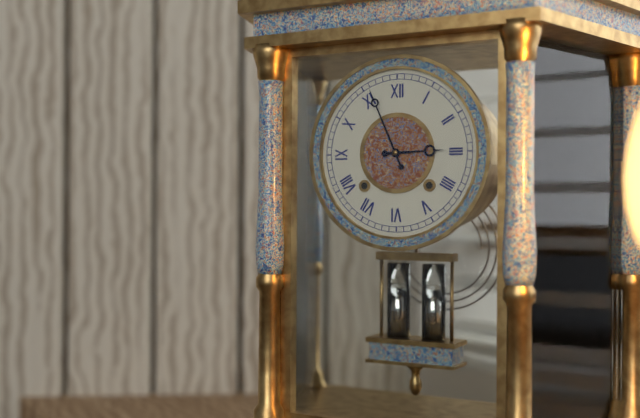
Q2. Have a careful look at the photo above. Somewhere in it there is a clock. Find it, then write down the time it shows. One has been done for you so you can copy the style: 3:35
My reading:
2:56
